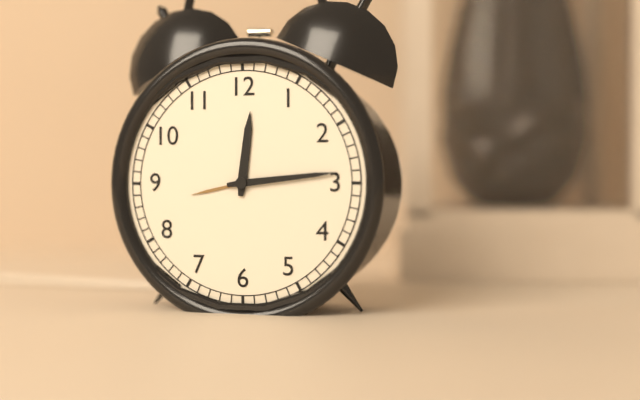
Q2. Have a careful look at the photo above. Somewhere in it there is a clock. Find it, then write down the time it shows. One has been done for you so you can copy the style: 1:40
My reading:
12:14
